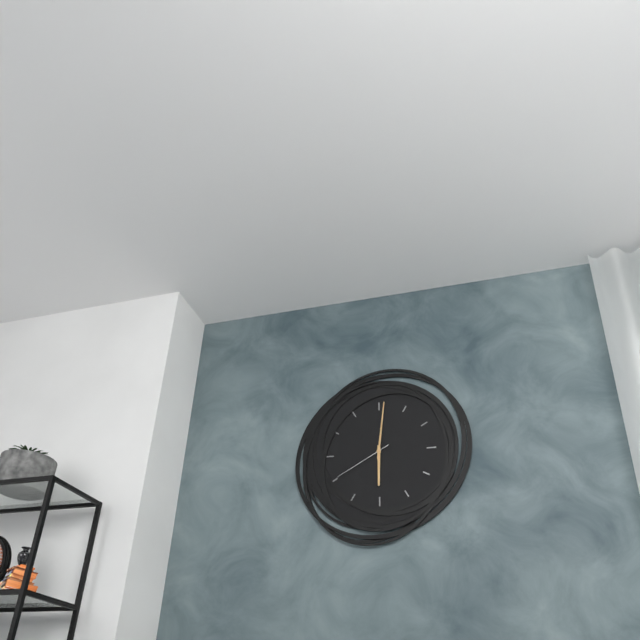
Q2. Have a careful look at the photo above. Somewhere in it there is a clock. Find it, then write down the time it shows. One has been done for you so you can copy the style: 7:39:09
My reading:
6:01:40
